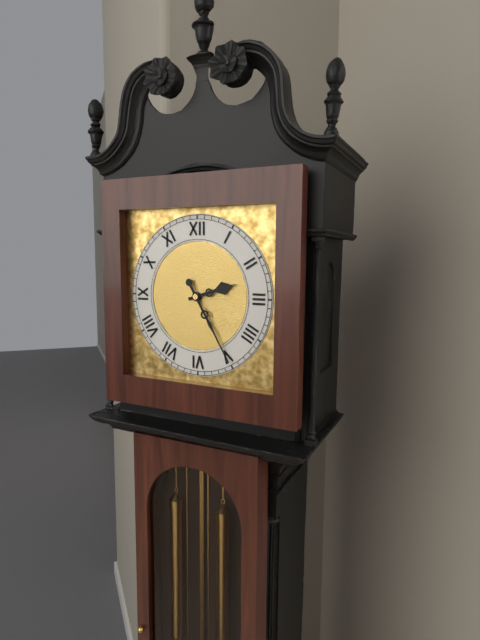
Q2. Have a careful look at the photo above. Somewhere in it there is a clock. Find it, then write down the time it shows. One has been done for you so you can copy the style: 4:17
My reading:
2:25
